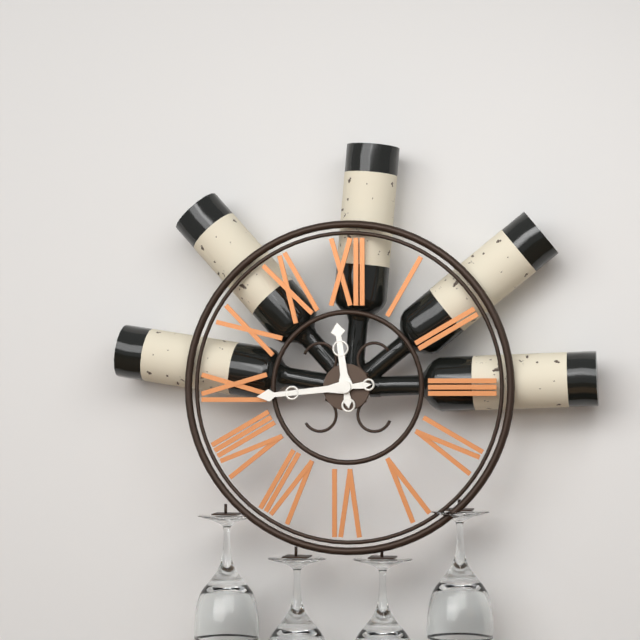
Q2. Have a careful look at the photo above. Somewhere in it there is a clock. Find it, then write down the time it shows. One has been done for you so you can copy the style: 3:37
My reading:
11:44
